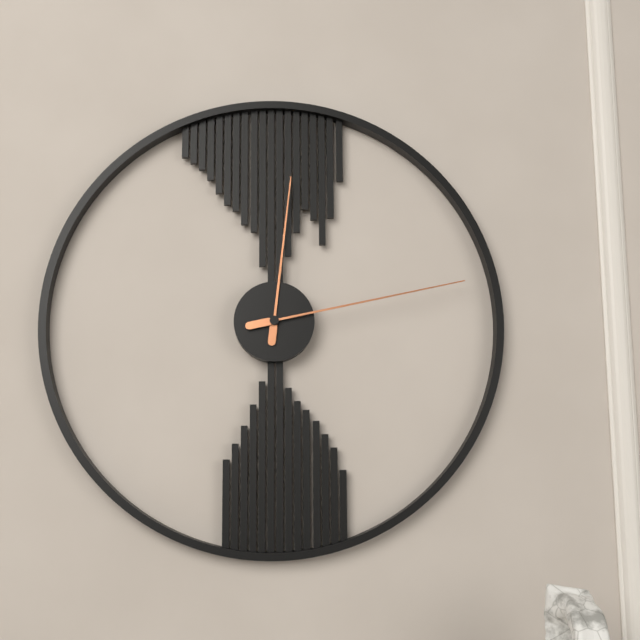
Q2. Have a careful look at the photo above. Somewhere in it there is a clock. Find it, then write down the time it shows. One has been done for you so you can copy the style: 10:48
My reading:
12:13
